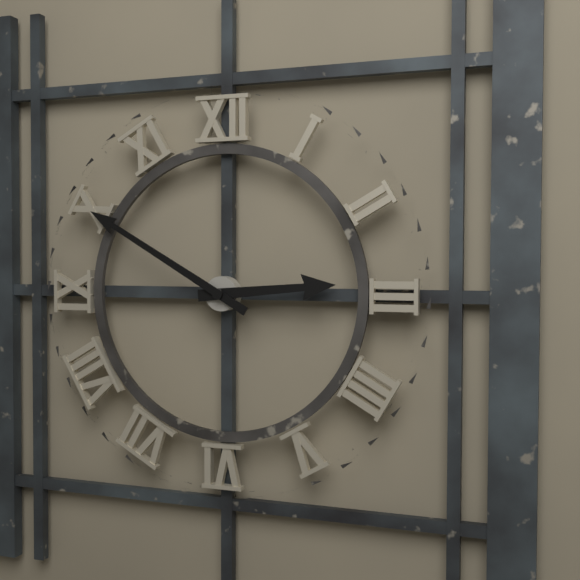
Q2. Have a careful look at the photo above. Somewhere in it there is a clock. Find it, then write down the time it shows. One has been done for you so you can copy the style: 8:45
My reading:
2:50
